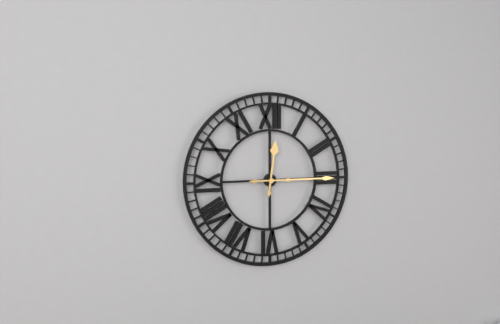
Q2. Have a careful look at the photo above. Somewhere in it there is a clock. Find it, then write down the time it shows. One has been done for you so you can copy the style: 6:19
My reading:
12:15
